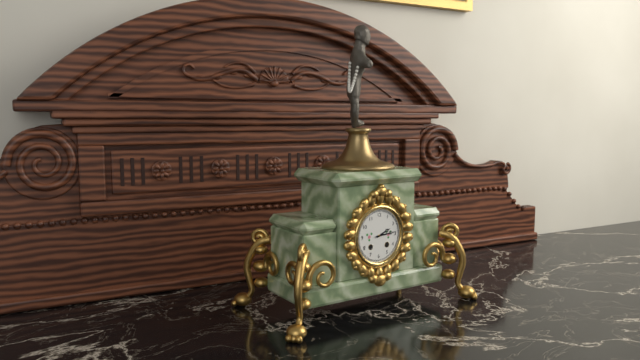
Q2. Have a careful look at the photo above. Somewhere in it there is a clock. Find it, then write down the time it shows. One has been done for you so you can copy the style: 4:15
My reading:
2:14
